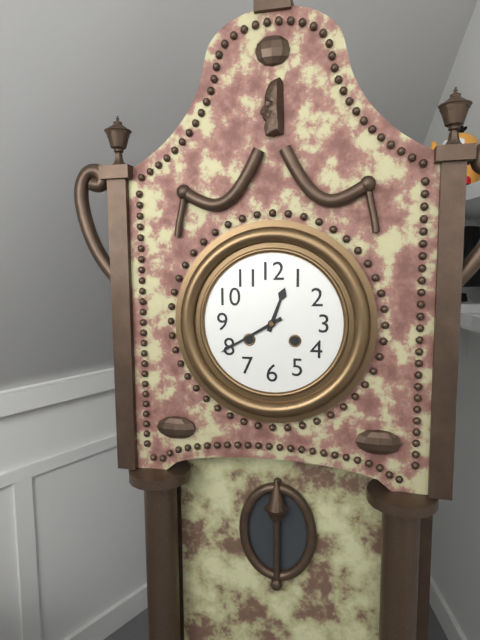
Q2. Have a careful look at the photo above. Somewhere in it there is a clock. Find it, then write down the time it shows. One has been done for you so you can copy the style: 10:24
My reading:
12:40
